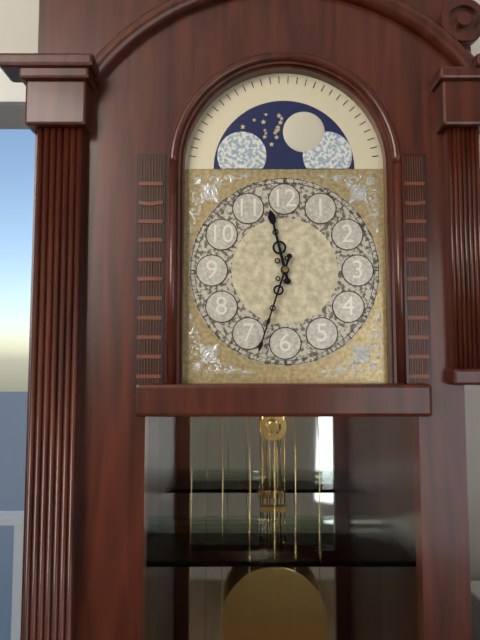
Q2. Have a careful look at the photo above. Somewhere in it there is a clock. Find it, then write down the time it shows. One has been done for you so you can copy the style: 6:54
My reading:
11:33
